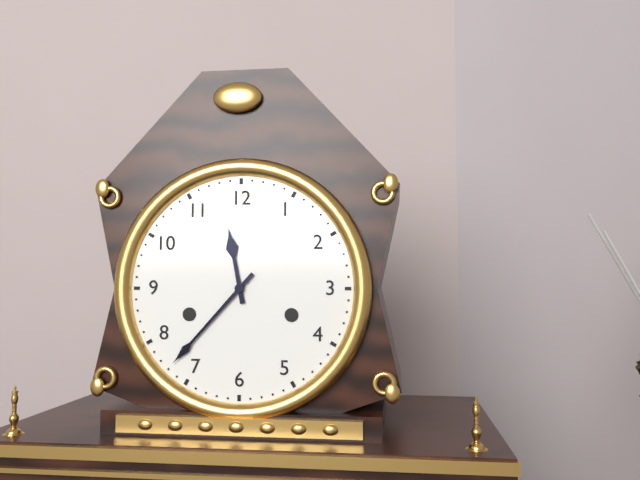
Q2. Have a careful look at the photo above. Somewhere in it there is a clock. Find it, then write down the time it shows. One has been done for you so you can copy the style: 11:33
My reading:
11:37
